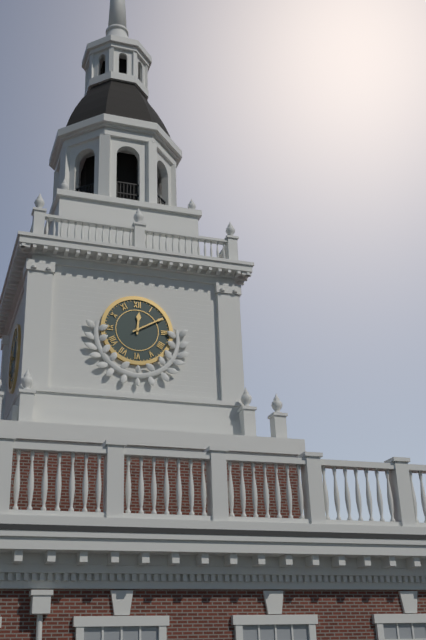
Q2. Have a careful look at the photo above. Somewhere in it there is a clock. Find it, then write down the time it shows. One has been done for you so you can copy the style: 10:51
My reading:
12:10
